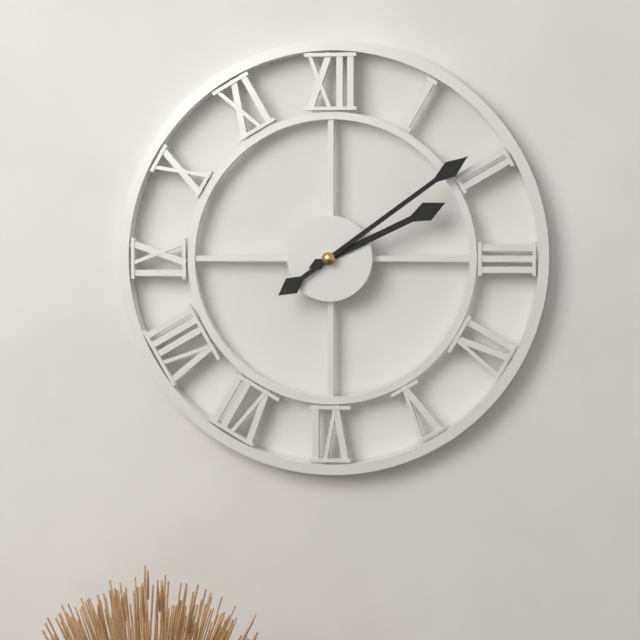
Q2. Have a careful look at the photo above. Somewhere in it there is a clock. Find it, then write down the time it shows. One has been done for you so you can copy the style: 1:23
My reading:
2:09
